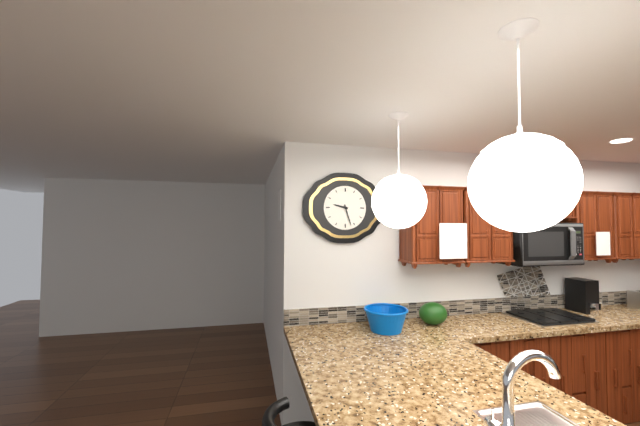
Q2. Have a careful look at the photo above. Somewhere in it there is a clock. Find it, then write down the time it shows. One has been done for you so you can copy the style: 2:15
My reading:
9:27
